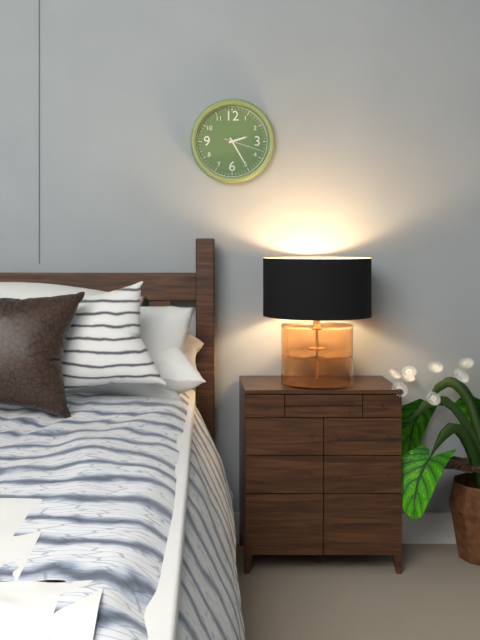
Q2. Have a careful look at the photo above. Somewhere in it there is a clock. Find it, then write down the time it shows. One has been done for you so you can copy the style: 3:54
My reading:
2:25
